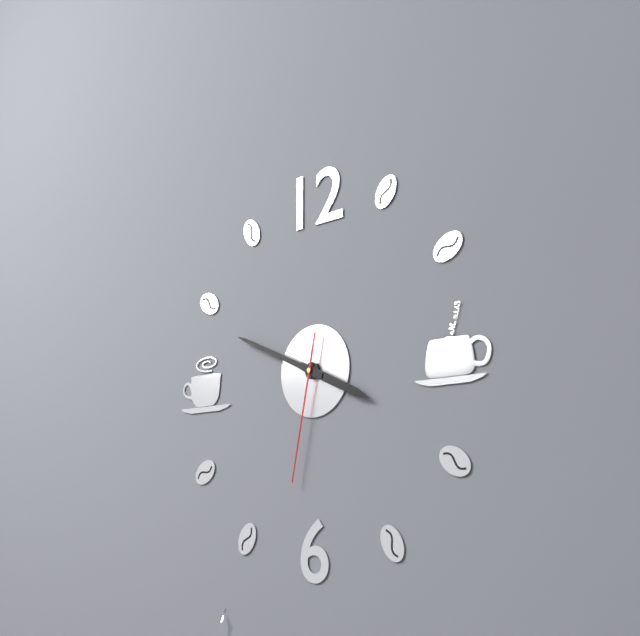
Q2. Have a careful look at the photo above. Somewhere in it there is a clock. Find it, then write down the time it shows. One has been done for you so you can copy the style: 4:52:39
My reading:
3:49:32
